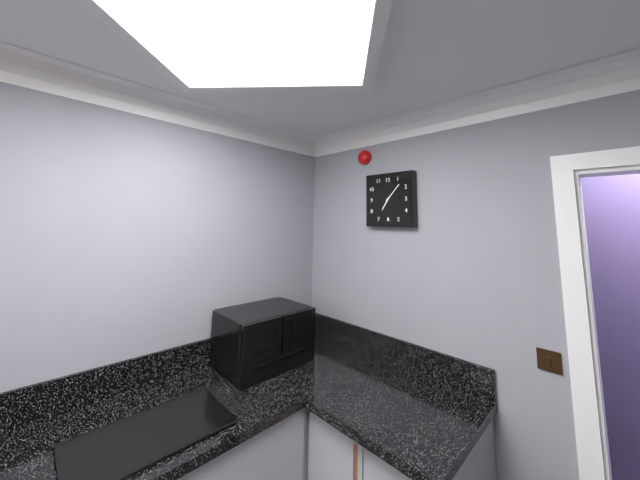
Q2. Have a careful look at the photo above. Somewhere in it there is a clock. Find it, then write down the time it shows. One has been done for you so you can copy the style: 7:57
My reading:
7:07
